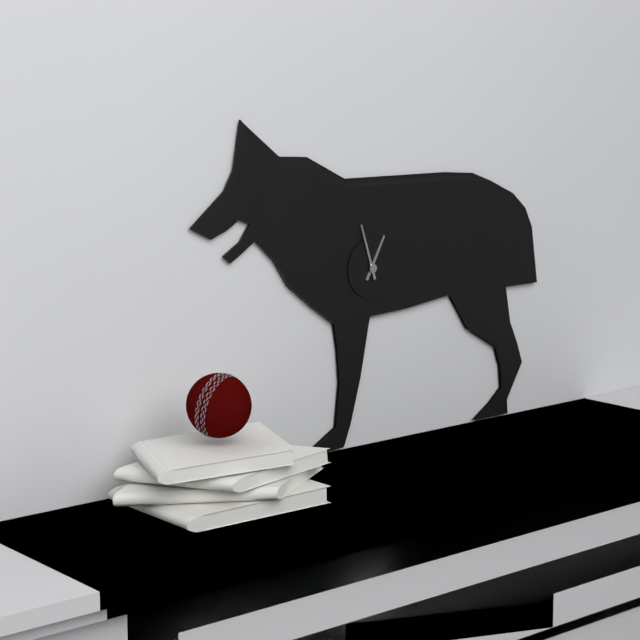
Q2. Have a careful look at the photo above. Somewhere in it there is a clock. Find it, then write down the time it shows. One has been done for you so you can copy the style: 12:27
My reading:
12:57
